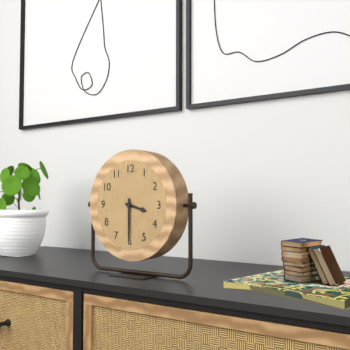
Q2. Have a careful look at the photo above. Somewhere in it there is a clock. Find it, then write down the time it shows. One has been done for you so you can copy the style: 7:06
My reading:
3:30
